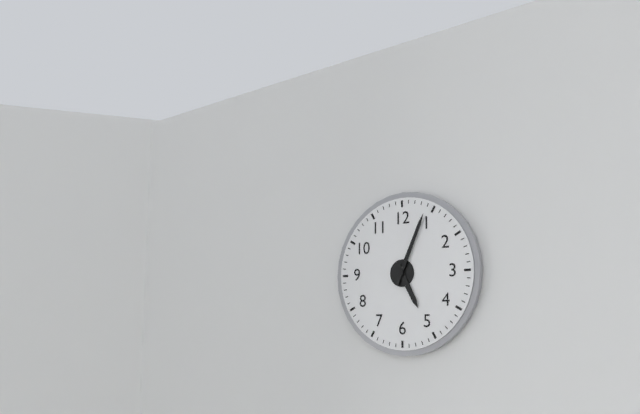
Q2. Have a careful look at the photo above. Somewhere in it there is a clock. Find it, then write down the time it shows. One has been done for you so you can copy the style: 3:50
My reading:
5:04
